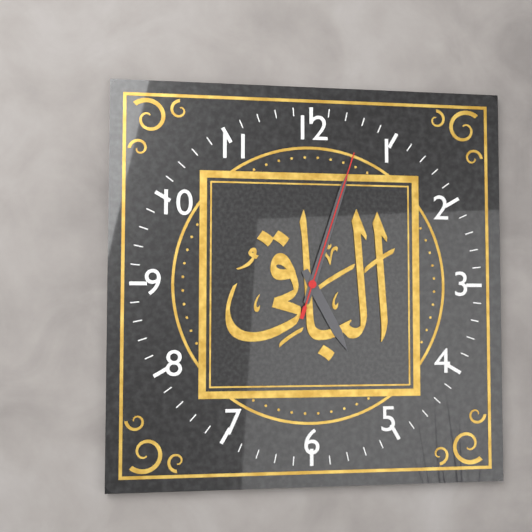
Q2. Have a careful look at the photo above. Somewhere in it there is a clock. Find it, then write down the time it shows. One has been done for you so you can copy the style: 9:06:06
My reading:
5:03:03
